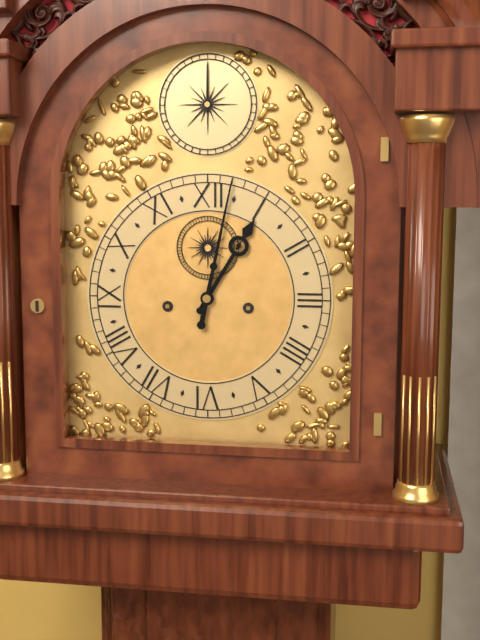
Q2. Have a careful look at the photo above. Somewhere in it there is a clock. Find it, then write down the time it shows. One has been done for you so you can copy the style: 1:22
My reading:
1:02
